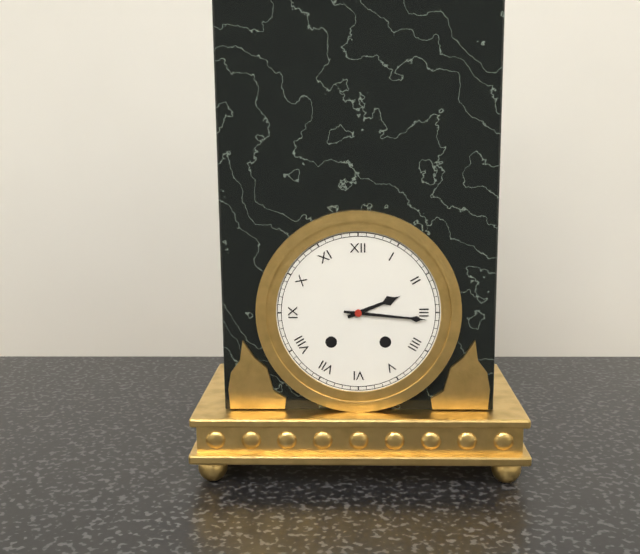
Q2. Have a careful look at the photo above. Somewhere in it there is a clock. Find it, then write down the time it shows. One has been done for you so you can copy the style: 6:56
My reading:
2:16
